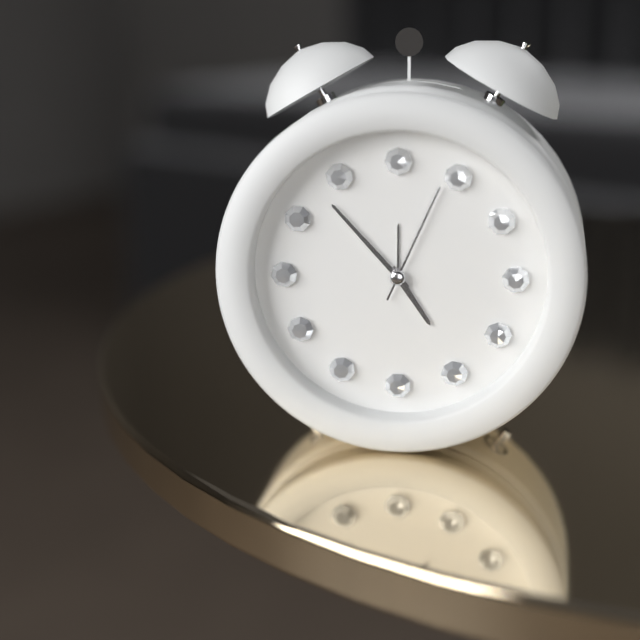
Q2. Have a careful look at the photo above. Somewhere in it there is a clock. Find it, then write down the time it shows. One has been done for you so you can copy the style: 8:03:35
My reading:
4:53:04
